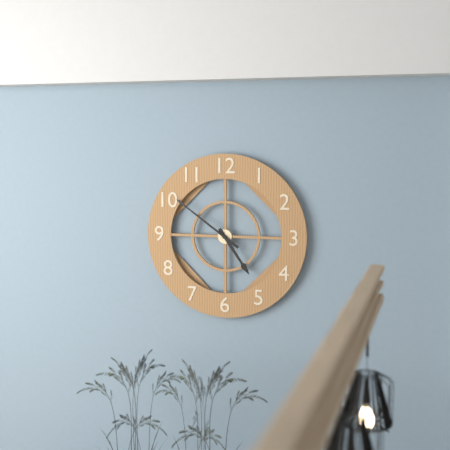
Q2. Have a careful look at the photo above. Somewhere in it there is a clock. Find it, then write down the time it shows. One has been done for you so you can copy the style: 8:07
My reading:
4:51
